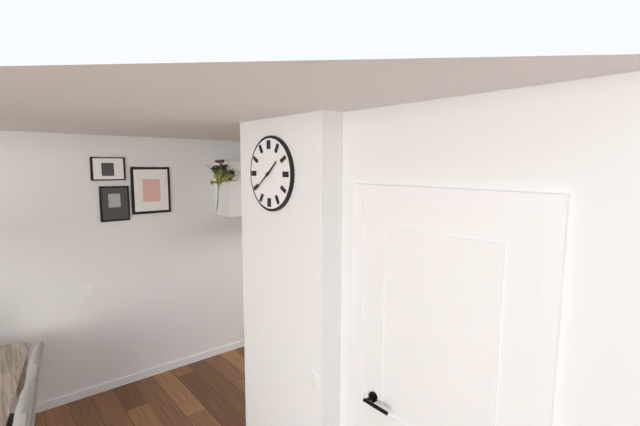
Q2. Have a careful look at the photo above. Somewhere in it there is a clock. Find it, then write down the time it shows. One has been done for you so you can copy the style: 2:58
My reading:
1:39
